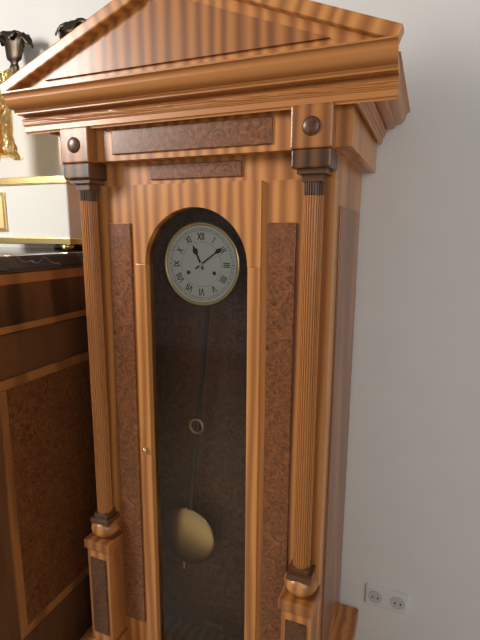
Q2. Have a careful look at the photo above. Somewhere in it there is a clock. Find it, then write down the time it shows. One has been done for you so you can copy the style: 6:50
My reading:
11:09
